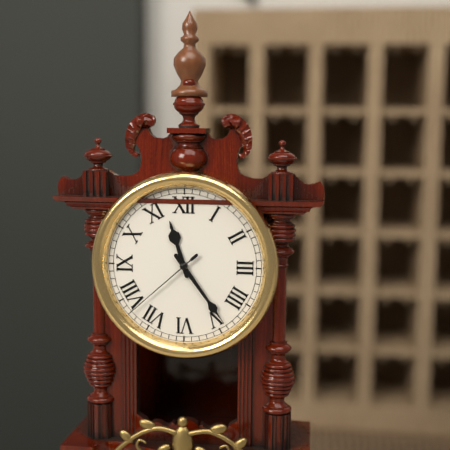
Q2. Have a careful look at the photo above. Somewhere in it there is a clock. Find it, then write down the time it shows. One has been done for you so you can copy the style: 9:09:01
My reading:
11:24:38
